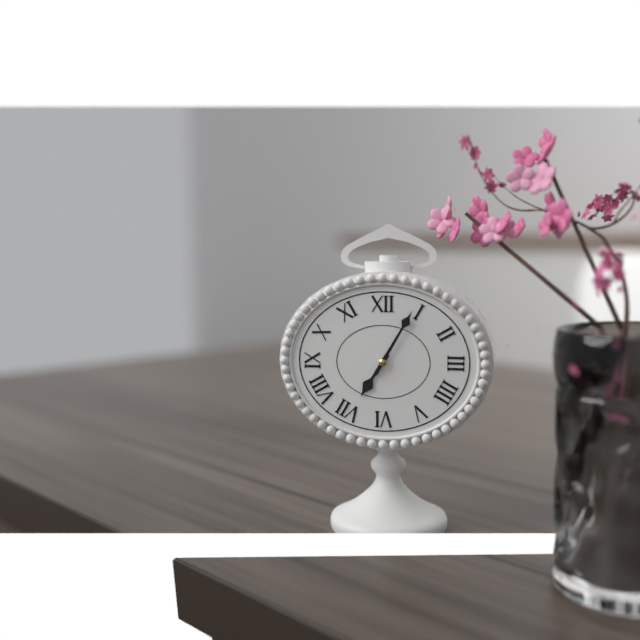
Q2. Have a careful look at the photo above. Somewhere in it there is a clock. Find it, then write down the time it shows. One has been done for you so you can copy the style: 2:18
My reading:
7:05
